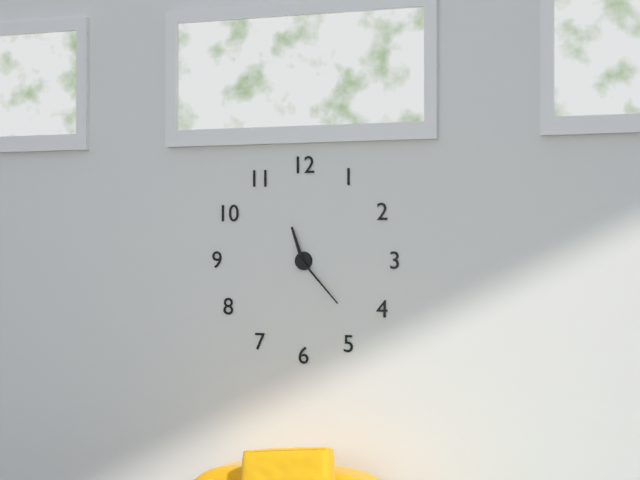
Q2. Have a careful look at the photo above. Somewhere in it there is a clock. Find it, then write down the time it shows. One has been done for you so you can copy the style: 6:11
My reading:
11:23
